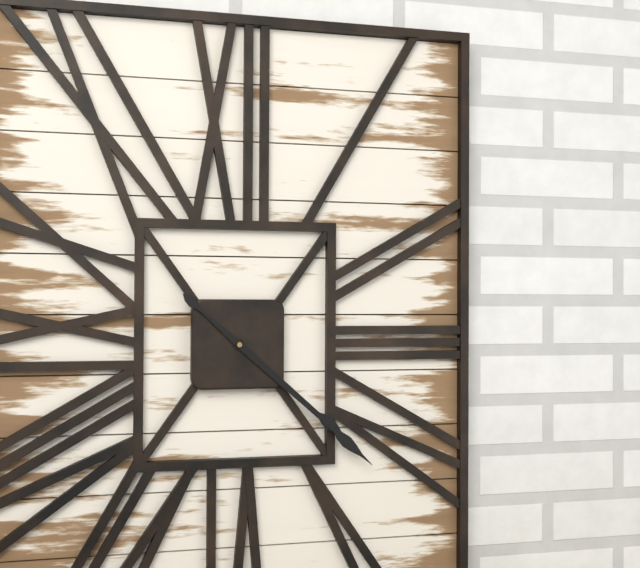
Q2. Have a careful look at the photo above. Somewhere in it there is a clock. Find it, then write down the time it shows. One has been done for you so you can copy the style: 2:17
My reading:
4:22
